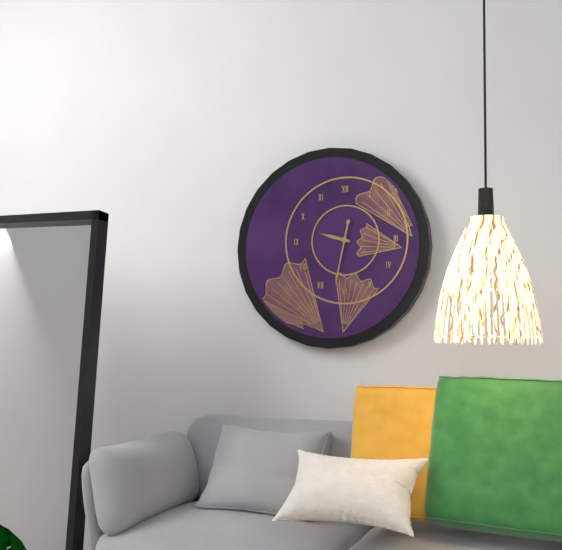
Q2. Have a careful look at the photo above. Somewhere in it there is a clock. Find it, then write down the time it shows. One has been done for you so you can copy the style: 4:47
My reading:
9:32
